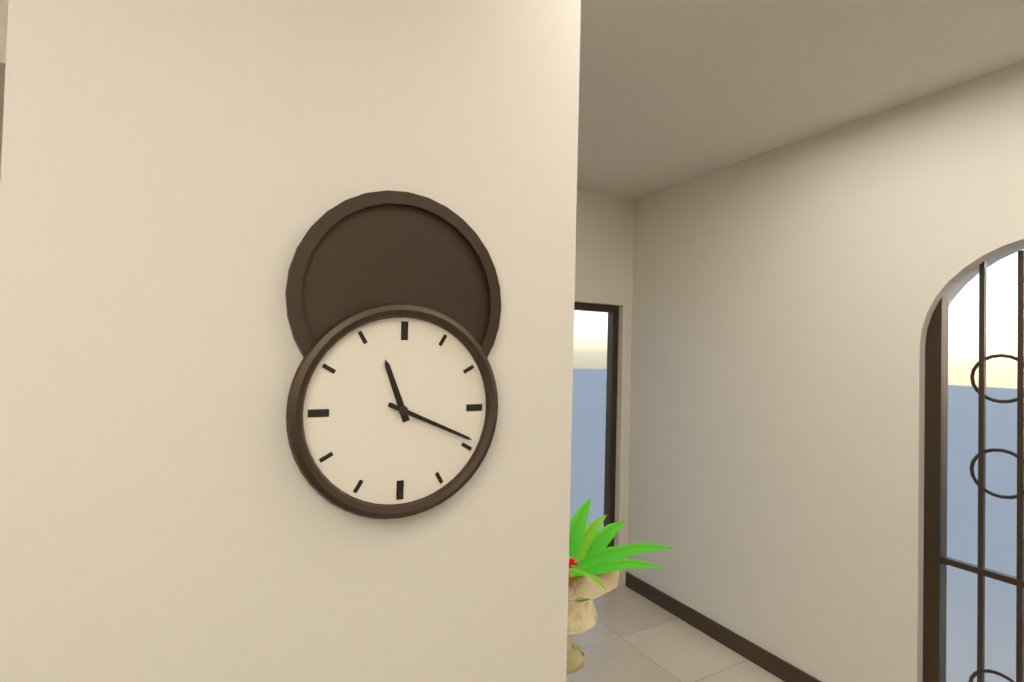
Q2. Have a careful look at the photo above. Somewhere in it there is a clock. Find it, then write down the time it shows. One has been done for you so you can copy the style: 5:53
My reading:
11:19
